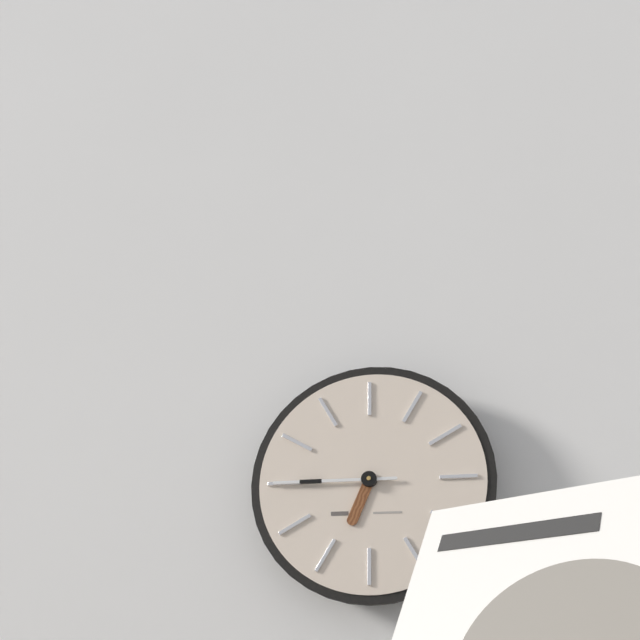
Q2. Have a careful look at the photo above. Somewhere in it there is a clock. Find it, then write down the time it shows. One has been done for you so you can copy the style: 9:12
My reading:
6:45
